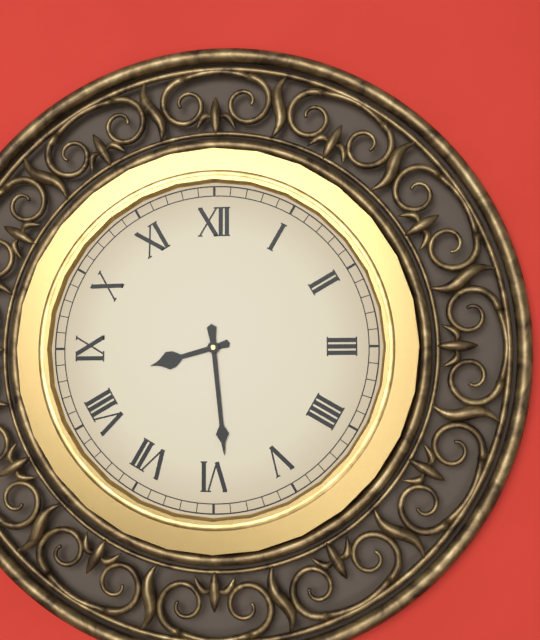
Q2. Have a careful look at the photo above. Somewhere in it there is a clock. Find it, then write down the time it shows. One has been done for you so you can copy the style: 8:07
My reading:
8:29
